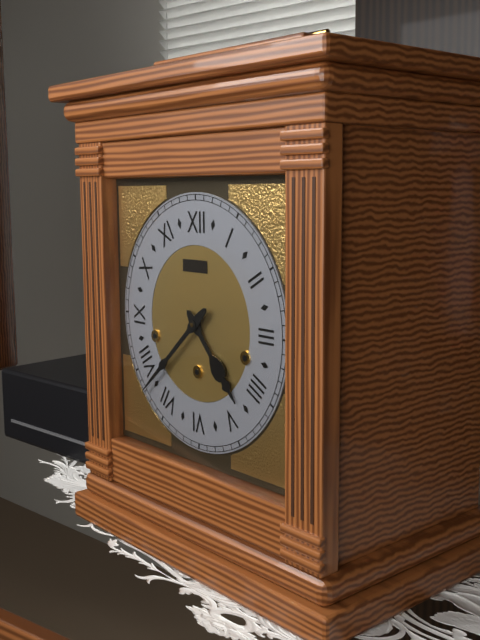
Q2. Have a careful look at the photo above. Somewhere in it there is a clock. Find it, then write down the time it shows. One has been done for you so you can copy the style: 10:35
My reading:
4:38
